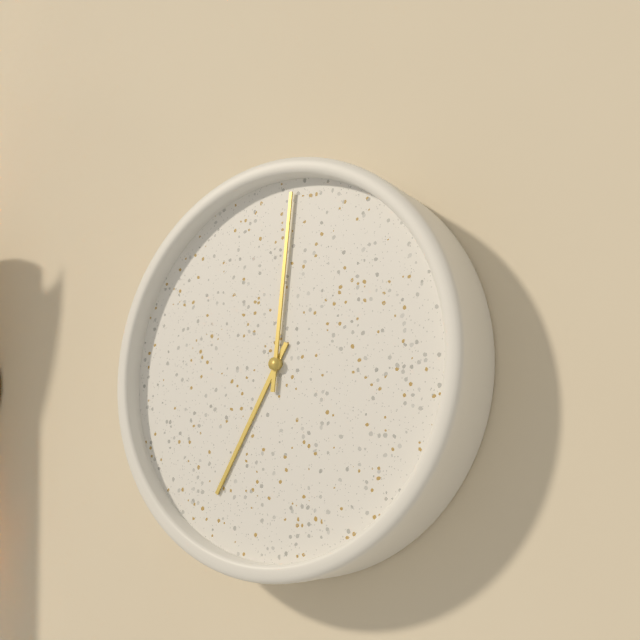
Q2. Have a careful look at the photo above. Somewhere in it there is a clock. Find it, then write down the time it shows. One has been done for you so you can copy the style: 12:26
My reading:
7:01
